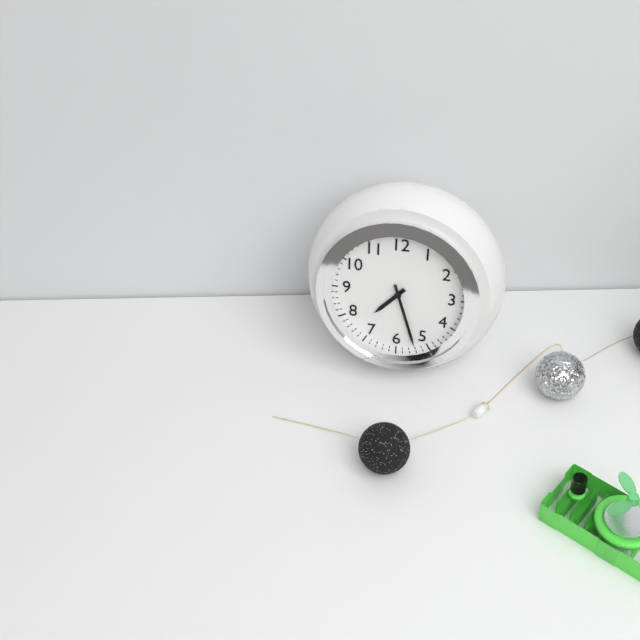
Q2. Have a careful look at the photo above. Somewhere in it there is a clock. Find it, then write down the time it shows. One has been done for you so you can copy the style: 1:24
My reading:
7:27
